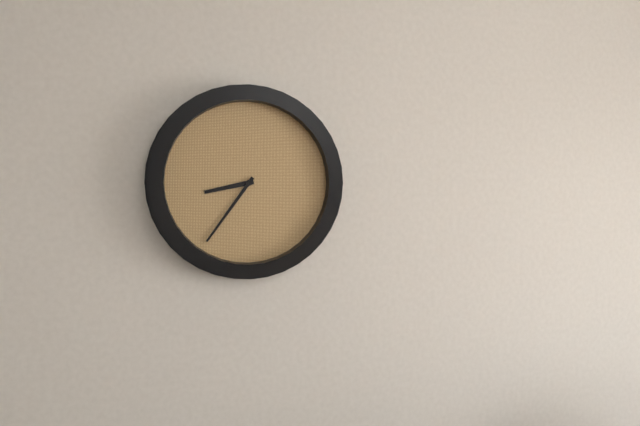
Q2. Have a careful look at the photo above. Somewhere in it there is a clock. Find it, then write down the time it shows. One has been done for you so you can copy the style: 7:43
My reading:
8:36
